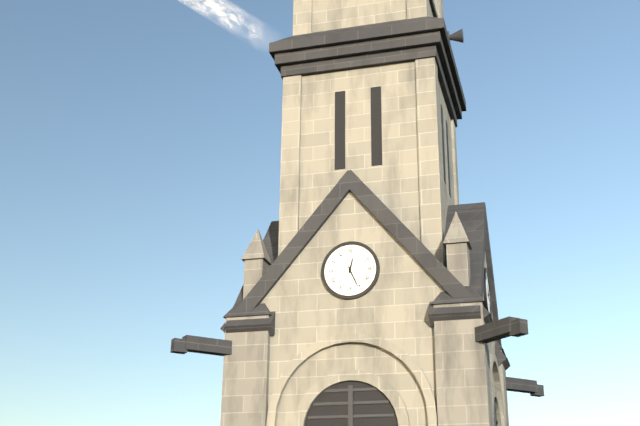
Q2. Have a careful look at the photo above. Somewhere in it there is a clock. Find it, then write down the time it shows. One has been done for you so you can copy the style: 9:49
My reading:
12:26
